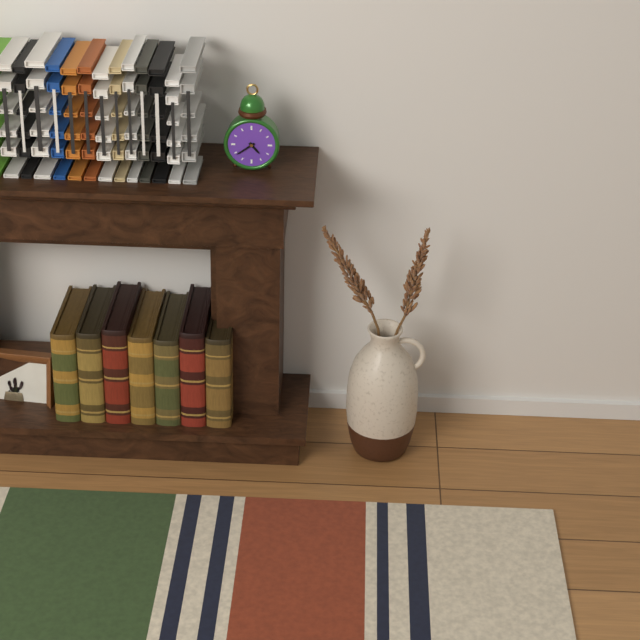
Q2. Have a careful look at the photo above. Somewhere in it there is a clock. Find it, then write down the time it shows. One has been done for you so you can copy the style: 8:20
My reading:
4:39
